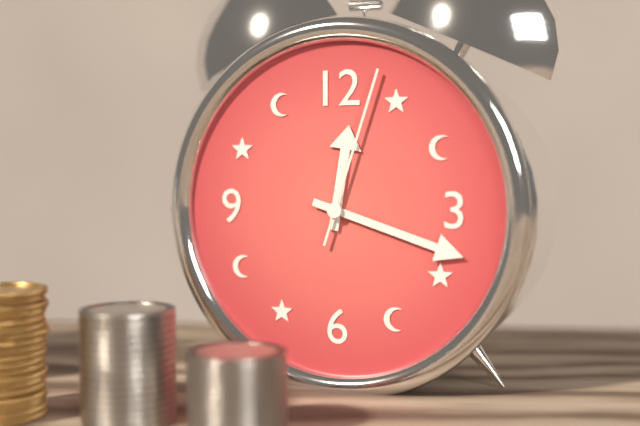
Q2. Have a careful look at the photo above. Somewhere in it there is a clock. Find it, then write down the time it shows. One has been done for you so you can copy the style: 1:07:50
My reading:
12:18:03
